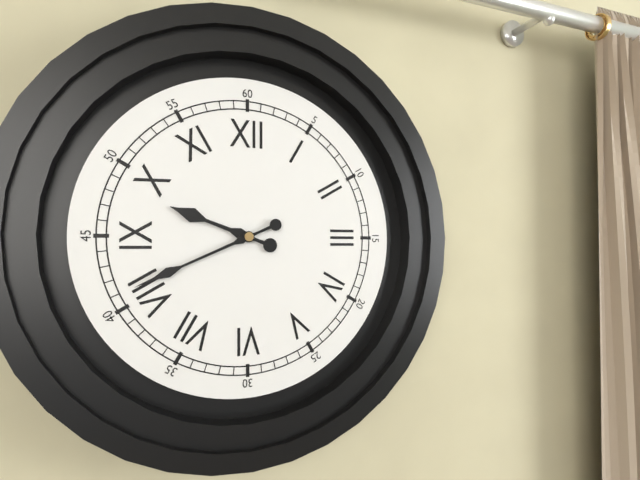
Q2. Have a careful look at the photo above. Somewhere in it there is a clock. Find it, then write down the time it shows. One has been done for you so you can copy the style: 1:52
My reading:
9:41
